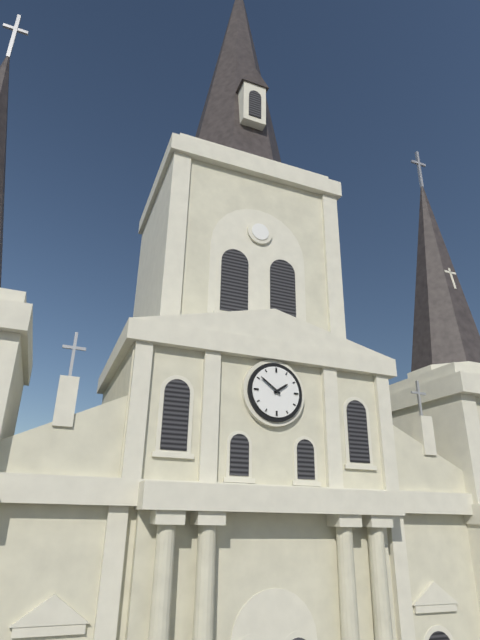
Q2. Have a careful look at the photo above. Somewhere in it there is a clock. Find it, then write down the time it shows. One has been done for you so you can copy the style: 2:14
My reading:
1:51
